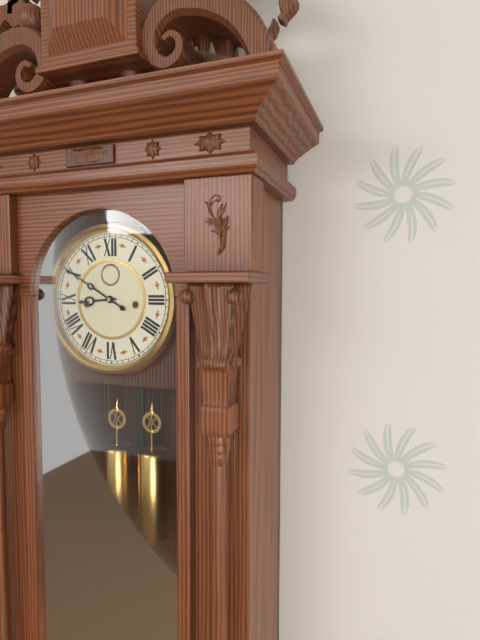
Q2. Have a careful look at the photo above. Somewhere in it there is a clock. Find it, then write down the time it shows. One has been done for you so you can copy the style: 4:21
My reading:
8:50
